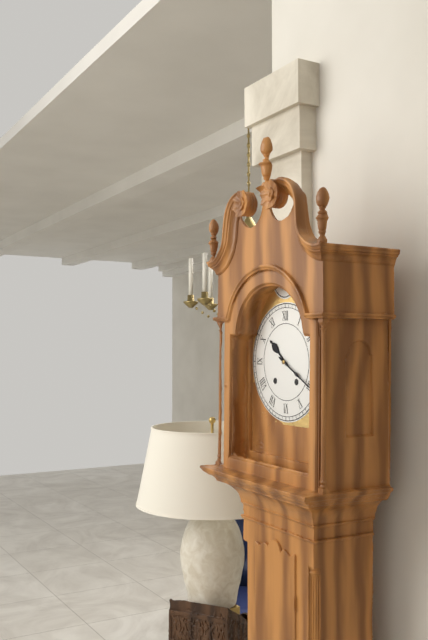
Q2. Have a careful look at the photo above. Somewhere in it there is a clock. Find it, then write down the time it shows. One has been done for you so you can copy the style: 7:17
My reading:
10:20
